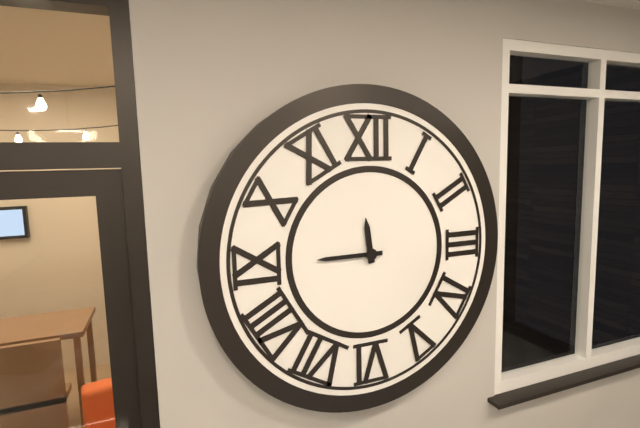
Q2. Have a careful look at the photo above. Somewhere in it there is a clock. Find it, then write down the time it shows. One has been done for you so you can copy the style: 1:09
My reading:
11:45
